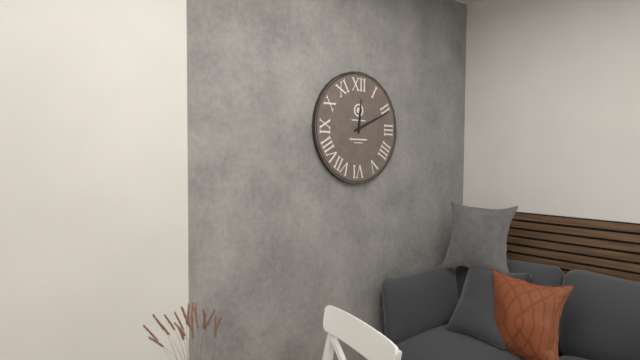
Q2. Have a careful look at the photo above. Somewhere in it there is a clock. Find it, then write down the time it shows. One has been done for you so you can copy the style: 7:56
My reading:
12:11
